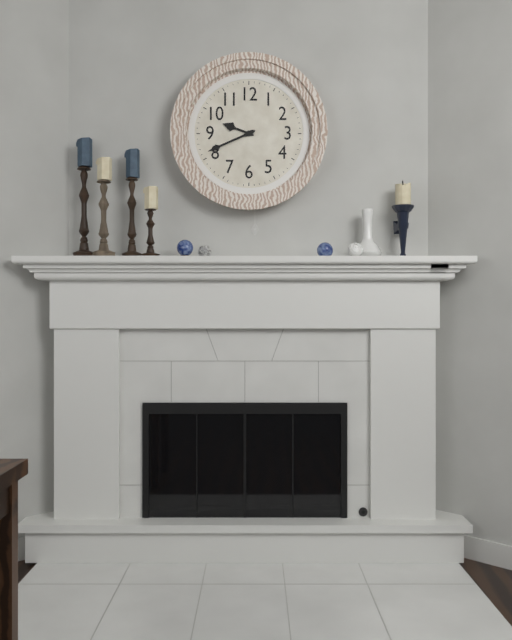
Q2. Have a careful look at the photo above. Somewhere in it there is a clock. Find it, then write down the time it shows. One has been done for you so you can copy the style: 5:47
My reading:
9:41
